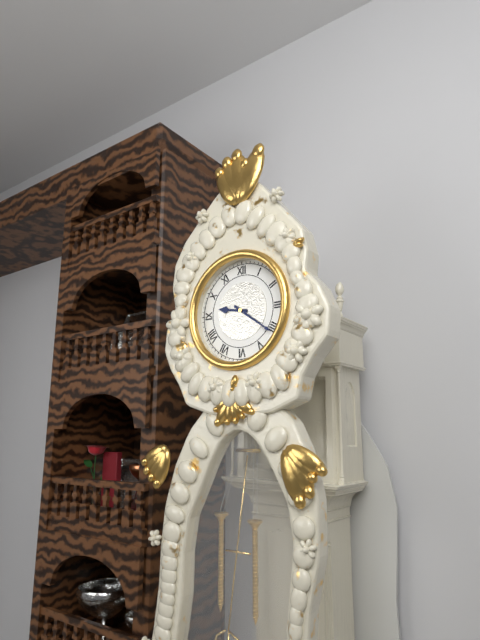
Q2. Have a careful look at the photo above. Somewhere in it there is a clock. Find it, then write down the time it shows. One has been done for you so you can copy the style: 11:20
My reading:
9:21
